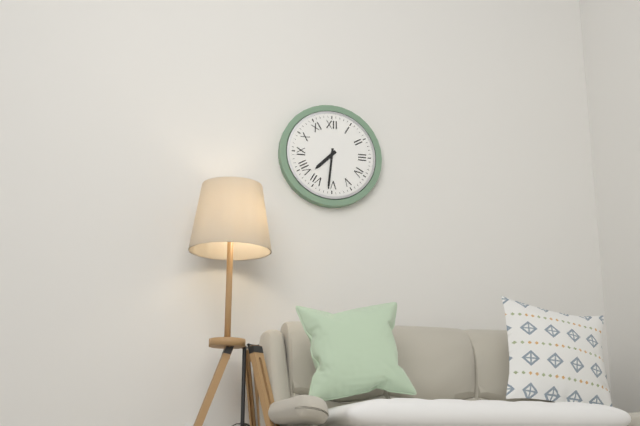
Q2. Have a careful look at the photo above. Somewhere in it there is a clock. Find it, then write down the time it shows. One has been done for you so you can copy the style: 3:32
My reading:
7:31
